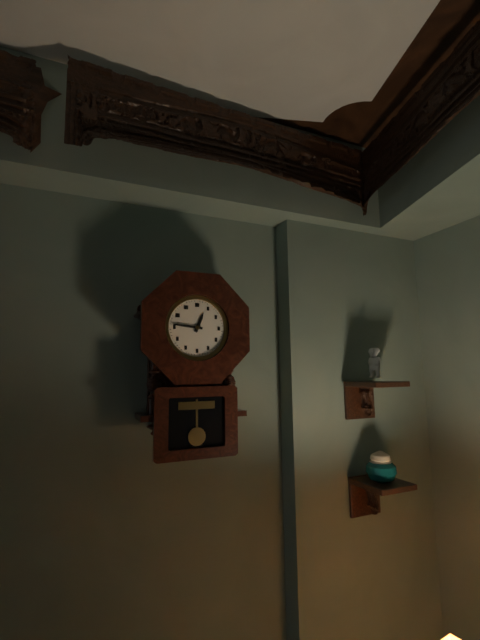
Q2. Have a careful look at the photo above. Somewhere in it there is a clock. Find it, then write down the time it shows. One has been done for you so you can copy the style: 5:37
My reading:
12:46
